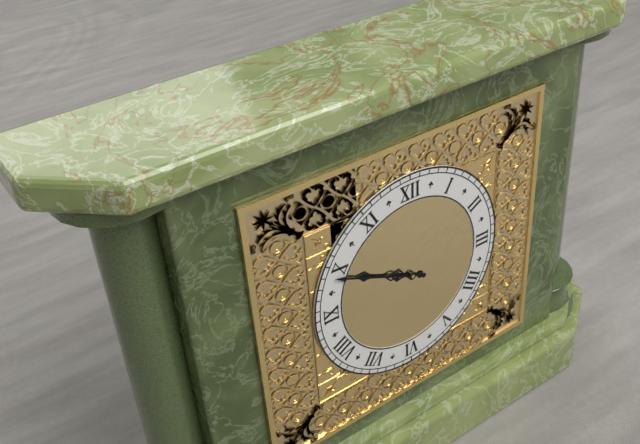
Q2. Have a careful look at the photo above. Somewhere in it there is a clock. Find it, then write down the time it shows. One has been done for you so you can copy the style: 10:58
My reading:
9:49
